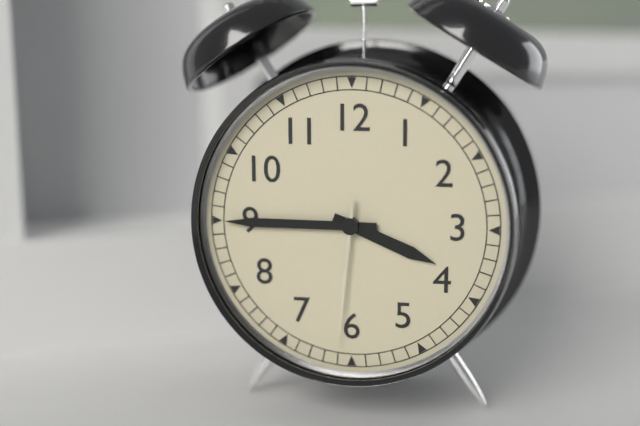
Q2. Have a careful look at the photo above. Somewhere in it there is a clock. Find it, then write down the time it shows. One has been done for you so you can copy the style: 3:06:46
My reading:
3:45:31
